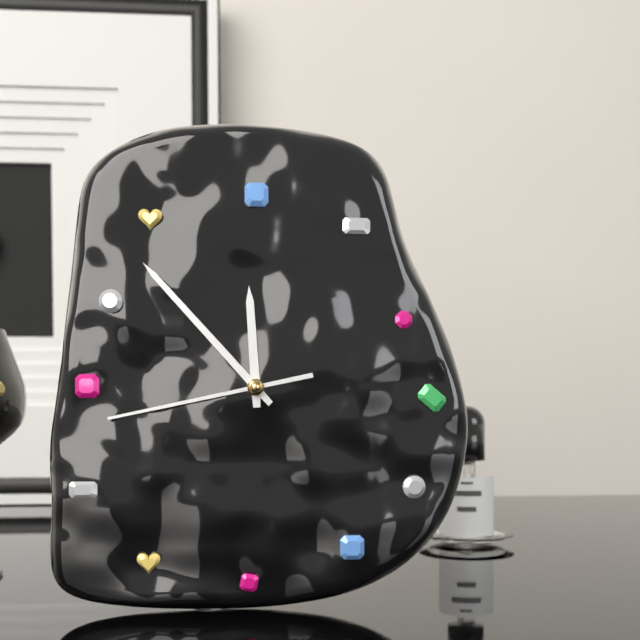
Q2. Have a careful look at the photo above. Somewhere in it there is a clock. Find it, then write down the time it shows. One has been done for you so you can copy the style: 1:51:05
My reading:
11:53:43
